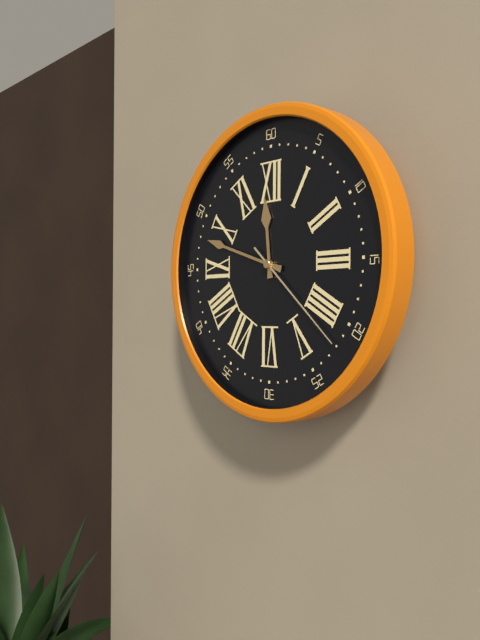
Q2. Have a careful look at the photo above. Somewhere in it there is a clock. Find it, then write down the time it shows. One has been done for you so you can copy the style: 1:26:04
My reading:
11:48:22
